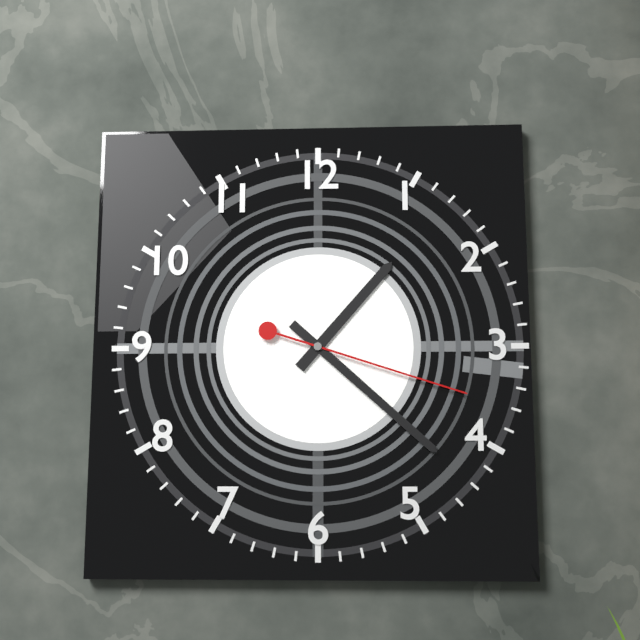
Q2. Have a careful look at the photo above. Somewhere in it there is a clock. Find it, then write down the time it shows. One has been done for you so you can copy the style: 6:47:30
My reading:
1:22:18
